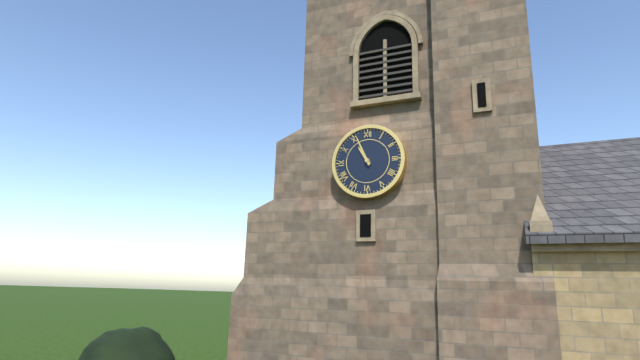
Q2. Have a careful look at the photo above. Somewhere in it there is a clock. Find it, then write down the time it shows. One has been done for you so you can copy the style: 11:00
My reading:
10:56
